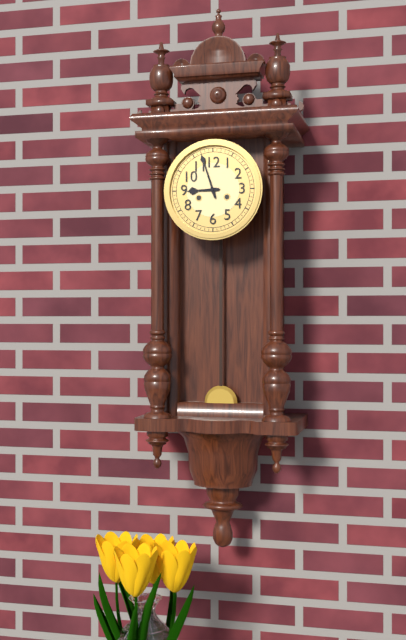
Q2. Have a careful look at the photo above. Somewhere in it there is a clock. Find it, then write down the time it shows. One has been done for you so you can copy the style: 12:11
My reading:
8:57
